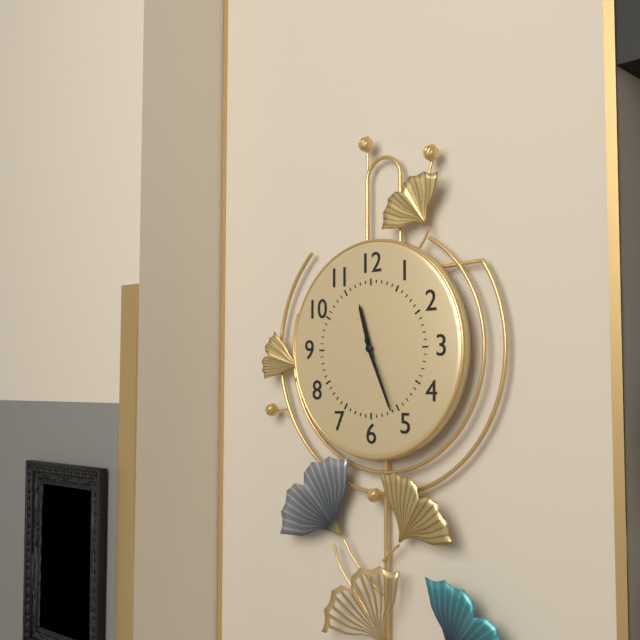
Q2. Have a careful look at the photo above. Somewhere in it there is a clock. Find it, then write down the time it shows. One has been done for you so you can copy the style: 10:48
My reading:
11:26
